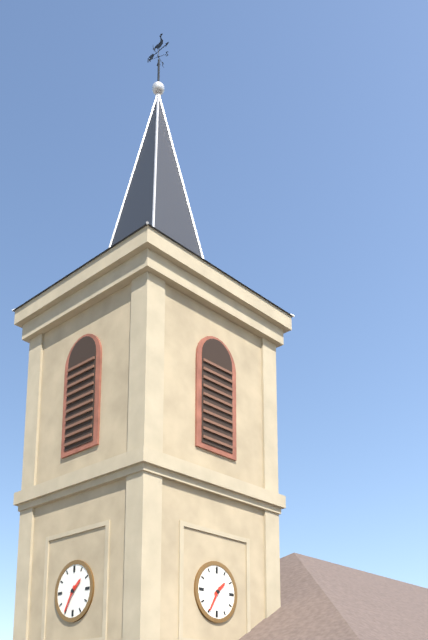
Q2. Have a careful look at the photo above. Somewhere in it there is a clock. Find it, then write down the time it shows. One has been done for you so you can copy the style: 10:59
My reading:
1:35
